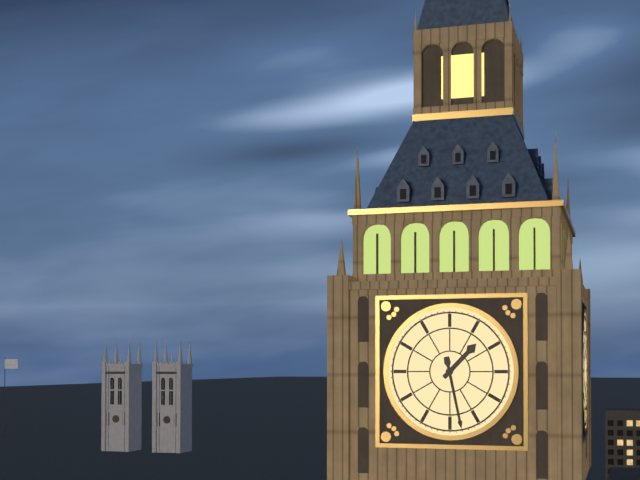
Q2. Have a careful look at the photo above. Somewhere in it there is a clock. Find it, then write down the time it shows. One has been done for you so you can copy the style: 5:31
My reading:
1:28
